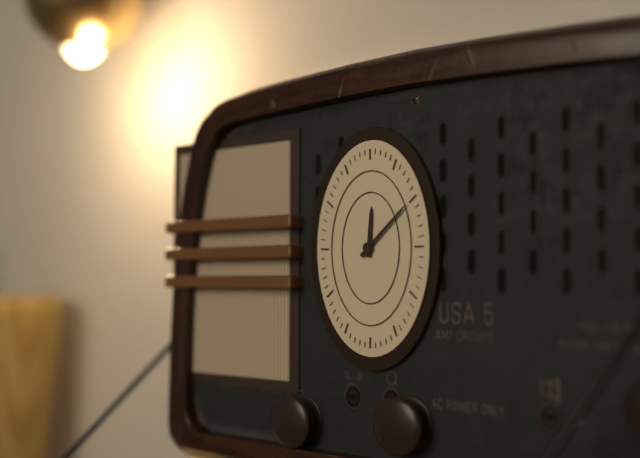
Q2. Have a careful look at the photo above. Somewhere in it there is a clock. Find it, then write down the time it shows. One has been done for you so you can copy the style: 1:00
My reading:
12:08
